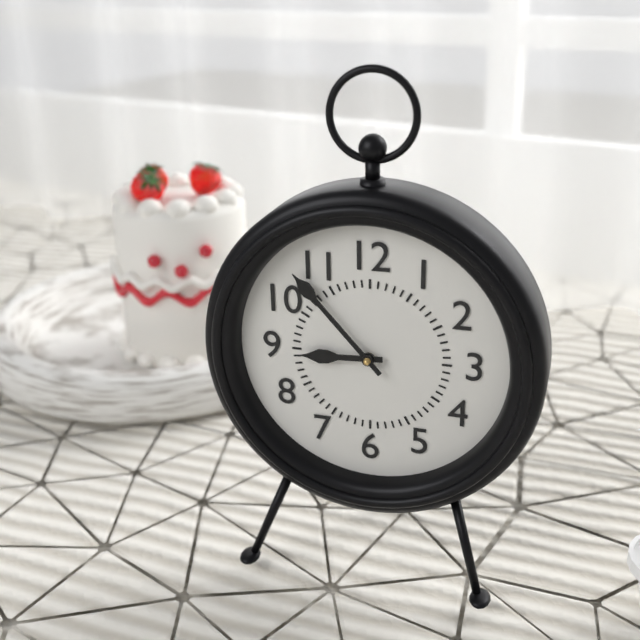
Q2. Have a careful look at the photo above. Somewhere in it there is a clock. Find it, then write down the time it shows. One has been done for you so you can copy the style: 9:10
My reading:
8:53
